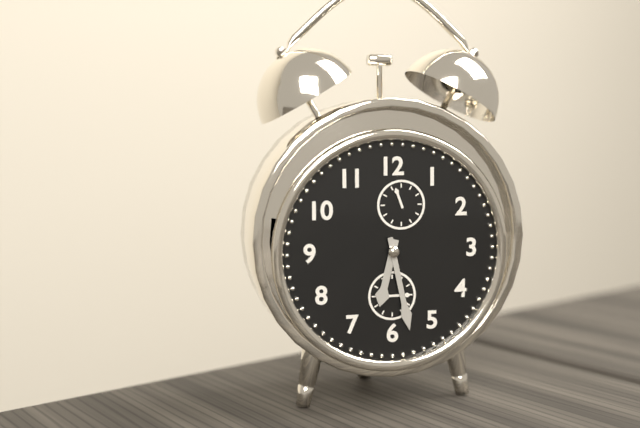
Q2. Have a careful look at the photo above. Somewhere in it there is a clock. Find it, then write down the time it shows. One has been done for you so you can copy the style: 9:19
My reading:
6:28
